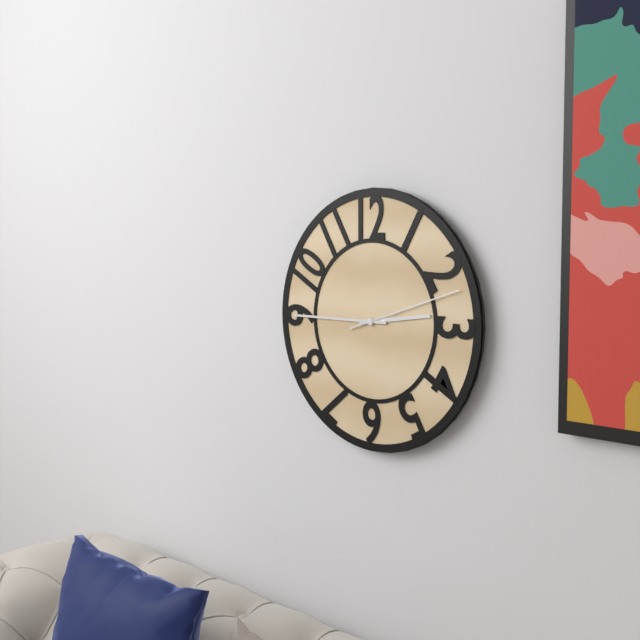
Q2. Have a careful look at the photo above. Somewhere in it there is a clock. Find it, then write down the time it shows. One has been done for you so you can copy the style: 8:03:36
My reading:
2:45:12
